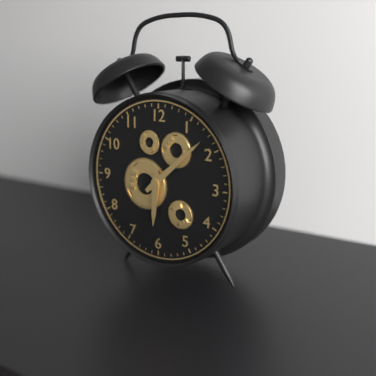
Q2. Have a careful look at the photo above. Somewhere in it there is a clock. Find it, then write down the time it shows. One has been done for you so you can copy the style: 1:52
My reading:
6:08
